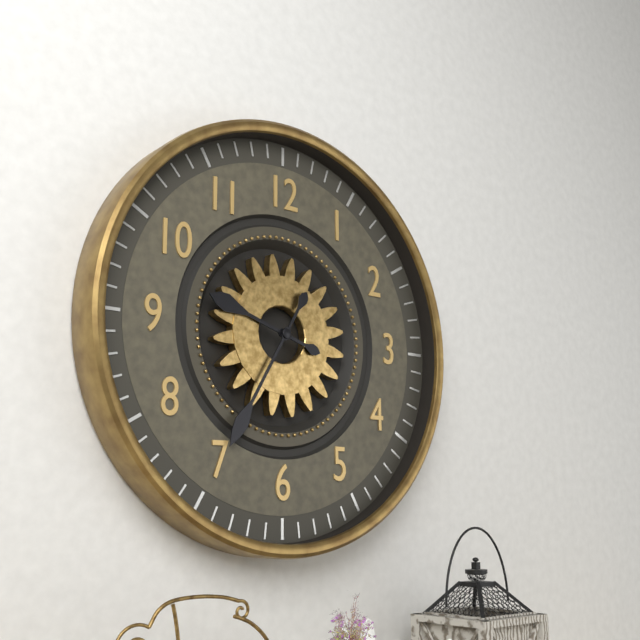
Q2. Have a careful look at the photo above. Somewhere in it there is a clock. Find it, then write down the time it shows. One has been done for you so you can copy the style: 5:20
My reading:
9:35
